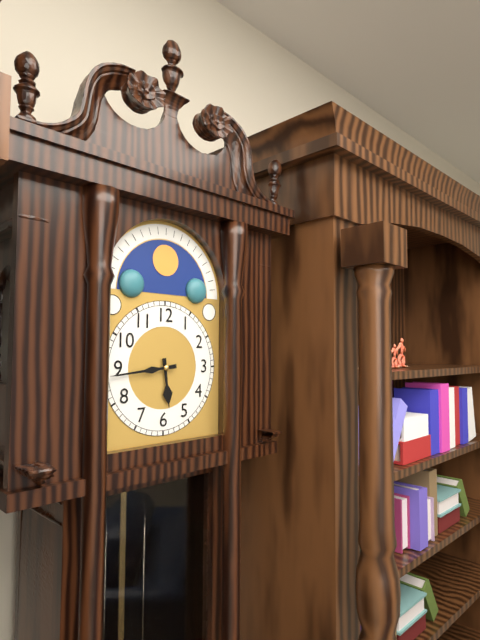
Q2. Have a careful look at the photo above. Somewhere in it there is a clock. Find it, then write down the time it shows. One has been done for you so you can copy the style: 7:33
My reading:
5:44
